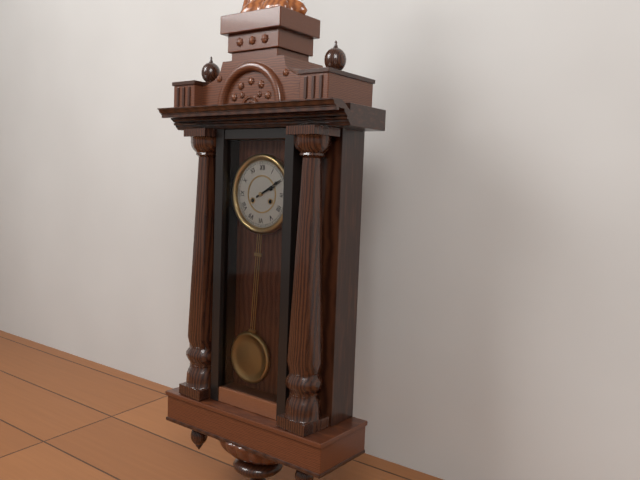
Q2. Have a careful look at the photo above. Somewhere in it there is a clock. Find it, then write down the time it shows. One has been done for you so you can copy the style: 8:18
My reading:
2:10
